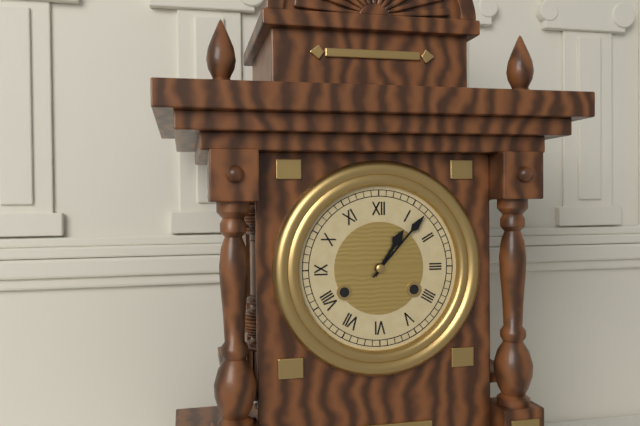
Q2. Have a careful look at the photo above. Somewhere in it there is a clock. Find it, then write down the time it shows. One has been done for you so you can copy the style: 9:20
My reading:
1:07
